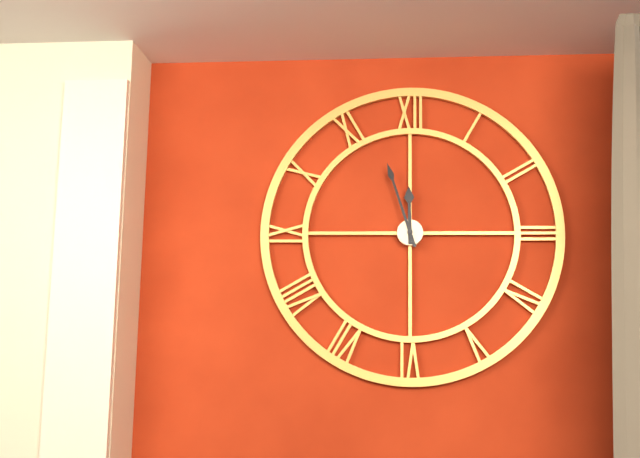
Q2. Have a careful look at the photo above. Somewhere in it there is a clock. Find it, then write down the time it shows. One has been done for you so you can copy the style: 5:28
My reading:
11:57
